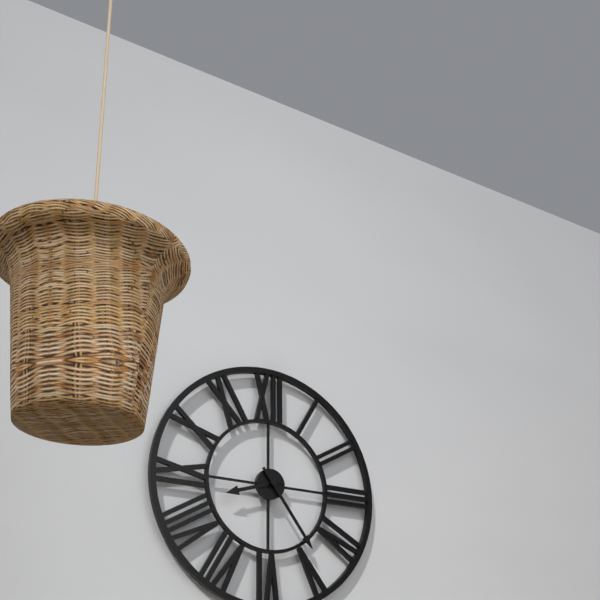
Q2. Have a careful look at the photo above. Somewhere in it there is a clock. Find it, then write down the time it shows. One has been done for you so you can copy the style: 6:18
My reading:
8:24
